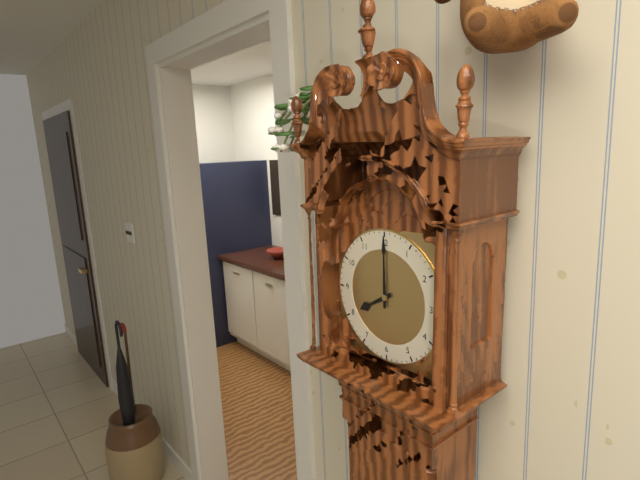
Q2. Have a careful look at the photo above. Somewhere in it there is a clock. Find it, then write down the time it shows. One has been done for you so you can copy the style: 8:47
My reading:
8:00
